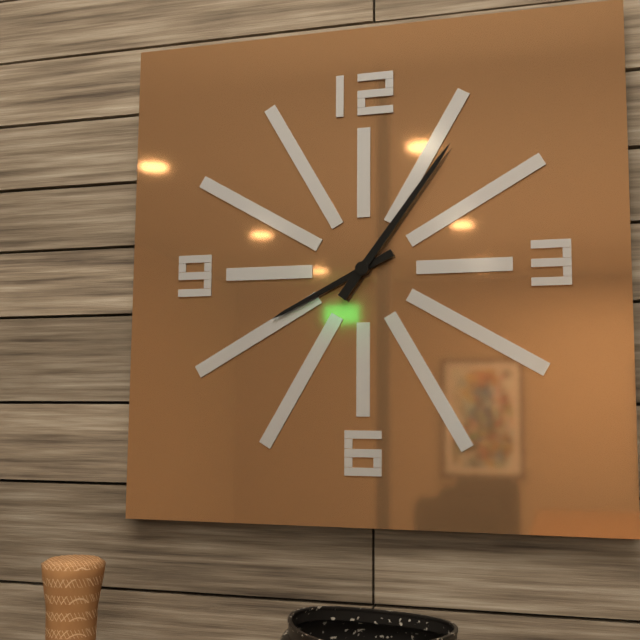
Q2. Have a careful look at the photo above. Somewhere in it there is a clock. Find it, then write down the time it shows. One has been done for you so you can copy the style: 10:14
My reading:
8:06
